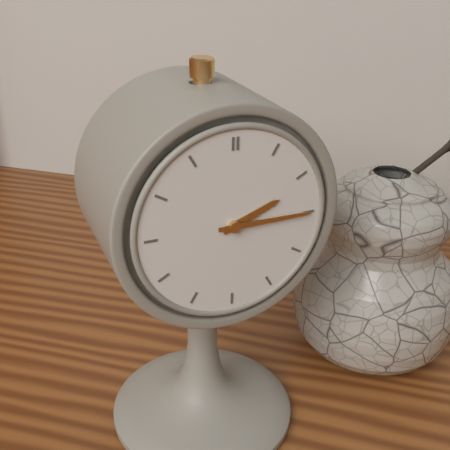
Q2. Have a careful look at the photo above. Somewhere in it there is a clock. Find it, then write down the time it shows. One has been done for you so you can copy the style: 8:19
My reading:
2:15
